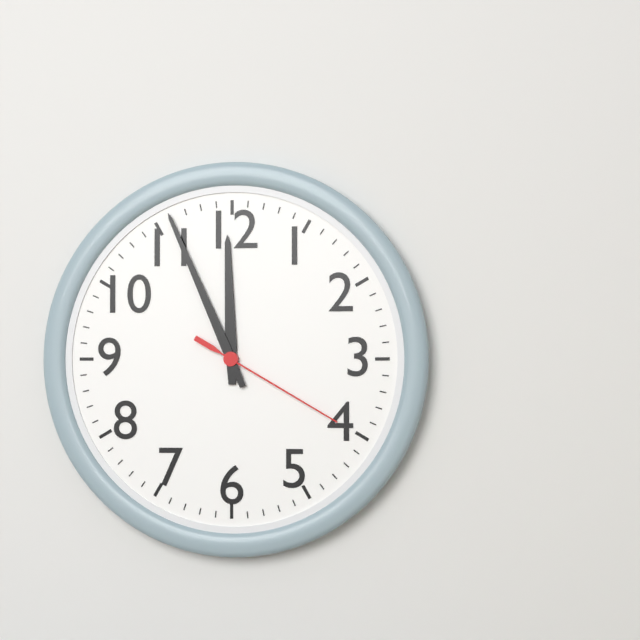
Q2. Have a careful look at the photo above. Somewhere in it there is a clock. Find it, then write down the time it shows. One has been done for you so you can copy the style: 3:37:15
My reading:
11:56:20
